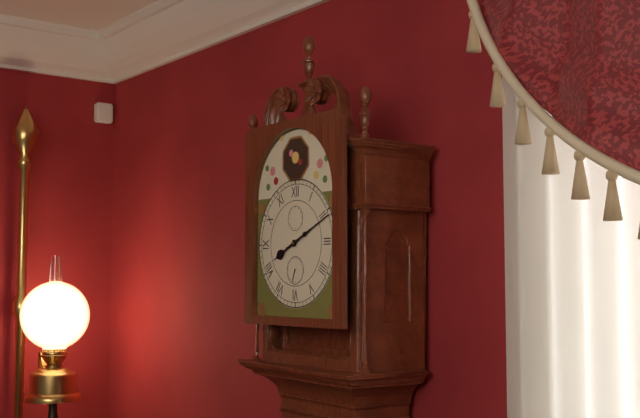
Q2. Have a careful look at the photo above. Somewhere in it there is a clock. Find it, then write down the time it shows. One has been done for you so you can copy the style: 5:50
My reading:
8:11
